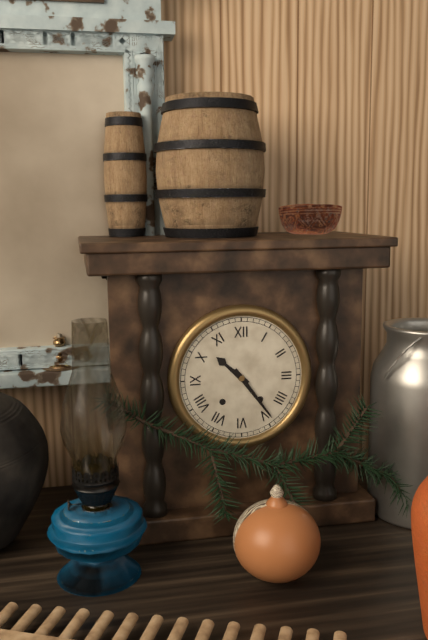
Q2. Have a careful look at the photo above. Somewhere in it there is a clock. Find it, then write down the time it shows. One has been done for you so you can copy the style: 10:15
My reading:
10:24
